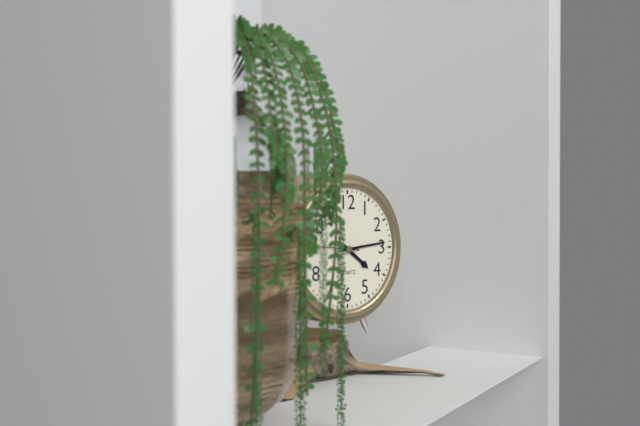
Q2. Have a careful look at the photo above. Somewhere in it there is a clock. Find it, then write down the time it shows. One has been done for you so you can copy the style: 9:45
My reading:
4:14
